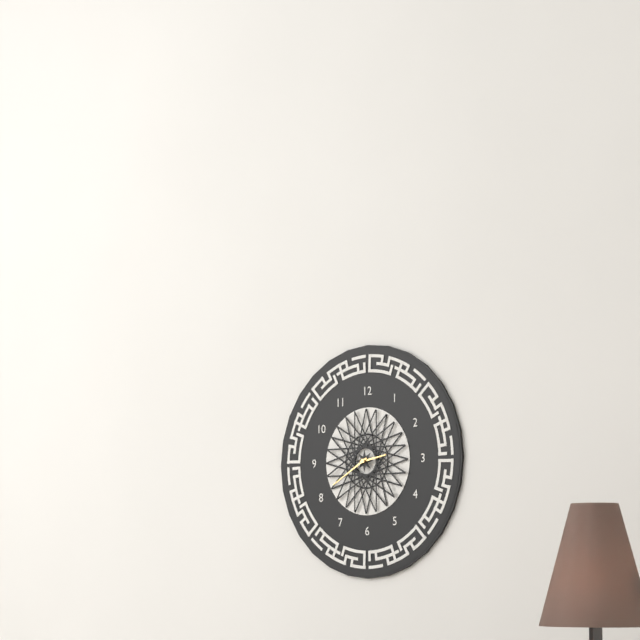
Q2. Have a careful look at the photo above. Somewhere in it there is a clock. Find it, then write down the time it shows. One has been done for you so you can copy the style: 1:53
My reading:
2:40
